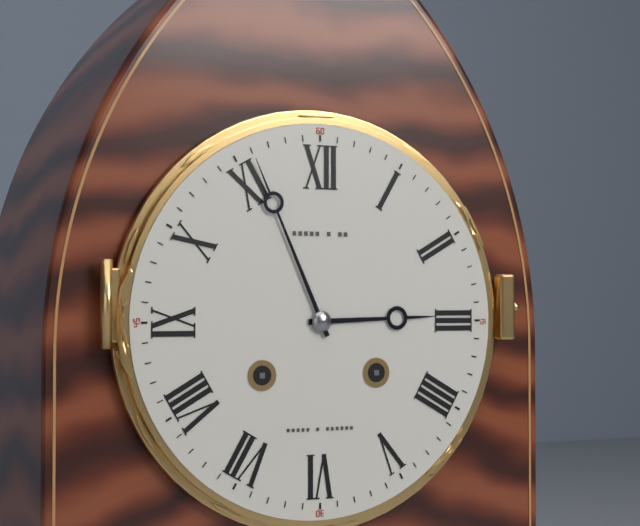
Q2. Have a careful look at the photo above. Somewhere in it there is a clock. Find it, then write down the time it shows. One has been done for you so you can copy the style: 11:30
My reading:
2:56
